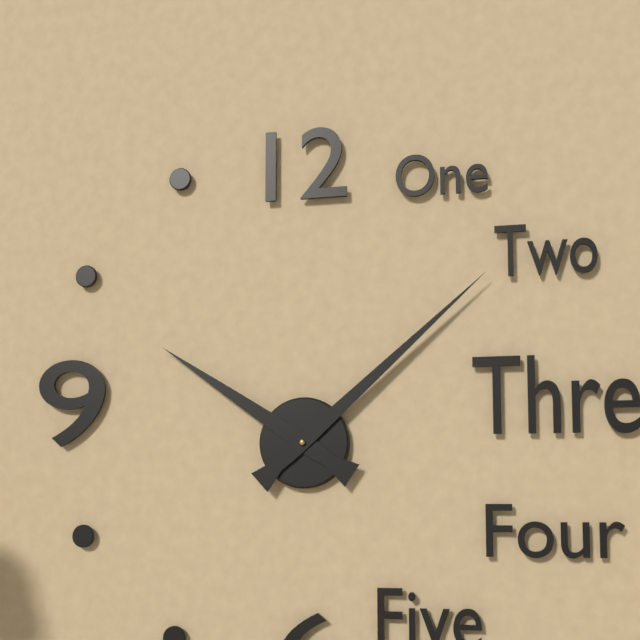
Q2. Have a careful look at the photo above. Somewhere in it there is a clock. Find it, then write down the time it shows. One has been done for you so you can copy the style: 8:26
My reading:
10:08
